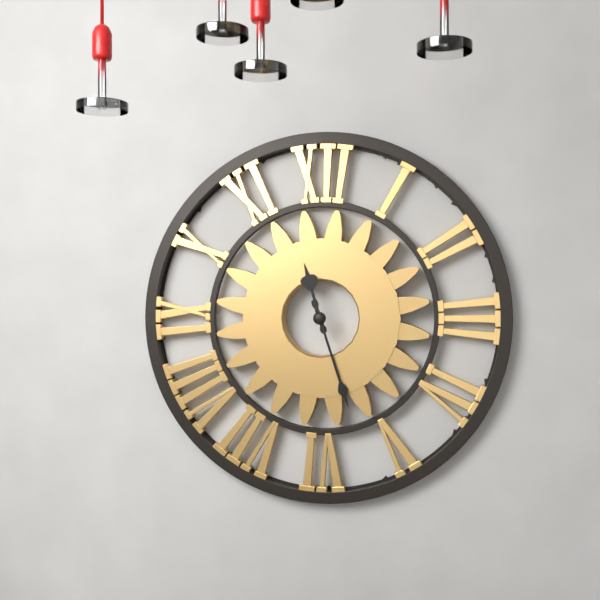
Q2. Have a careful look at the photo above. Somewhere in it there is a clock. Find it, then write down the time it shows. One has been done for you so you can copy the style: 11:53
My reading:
11:27
